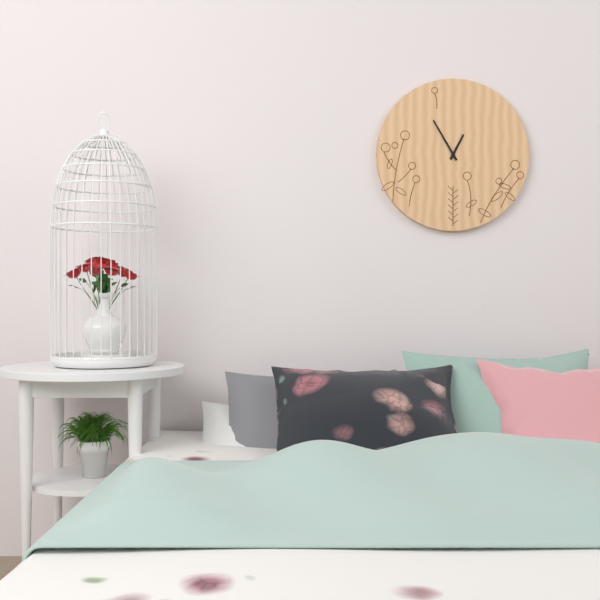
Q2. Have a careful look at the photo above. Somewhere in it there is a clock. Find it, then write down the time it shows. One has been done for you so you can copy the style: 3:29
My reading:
12:55
